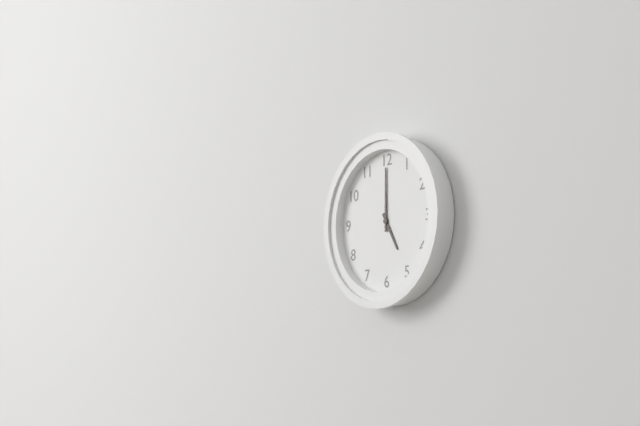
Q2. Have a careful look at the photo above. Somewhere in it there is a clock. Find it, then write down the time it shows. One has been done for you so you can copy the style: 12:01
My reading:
5:00
